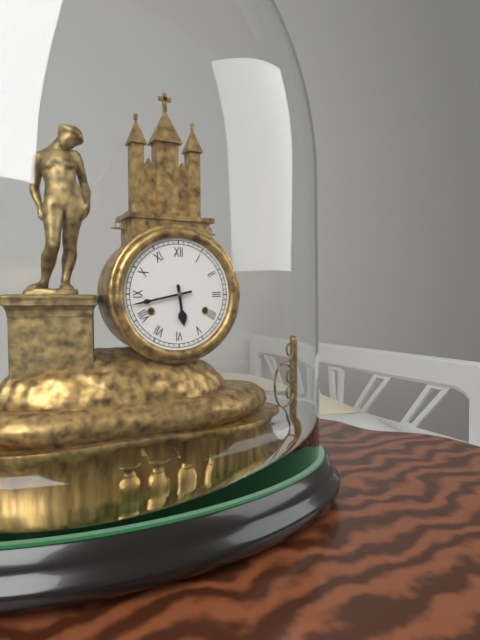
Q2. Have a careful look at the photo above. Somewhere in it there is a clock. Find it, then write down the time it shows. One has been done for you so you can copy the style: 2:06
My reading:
5:43
